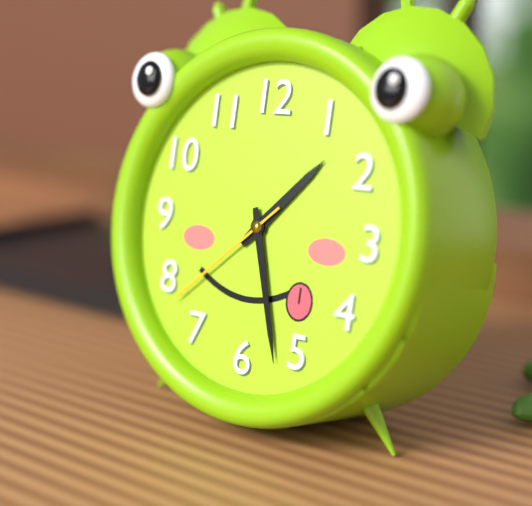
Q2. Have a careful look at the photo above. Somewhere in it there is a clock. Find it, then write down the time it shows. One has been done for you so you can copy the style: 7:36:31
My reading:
1:27:38
